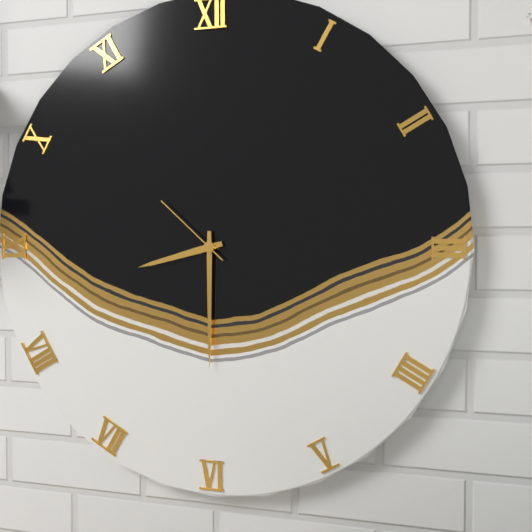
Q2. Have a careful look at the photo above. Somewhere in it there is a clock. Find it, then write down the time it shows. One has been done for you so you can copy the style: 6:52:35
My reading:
8:30:52
